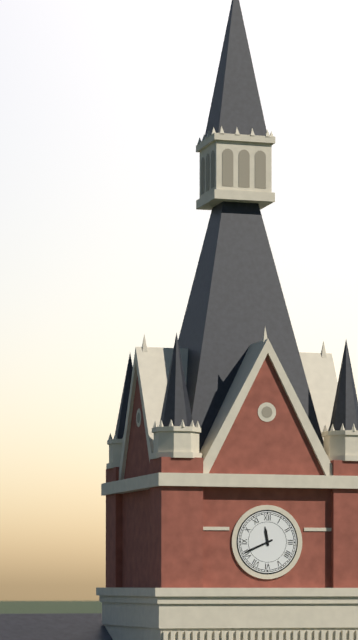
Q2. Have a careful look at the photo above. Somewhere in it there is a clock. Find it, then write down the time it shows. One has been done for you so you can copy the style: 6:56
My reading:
11:41
